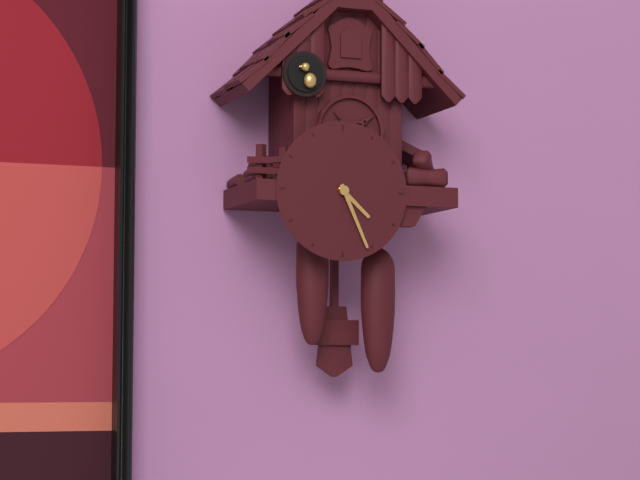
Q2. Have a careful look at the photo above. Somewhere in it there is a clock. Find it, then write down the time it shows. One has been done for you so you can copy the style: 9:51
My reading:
4:26
